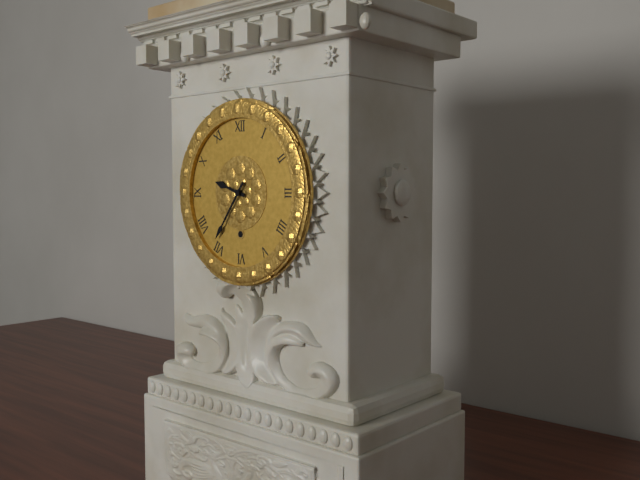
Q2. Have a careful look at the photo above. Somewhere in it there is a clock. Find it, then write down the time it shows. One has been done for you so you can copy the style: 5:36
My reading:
9:36
